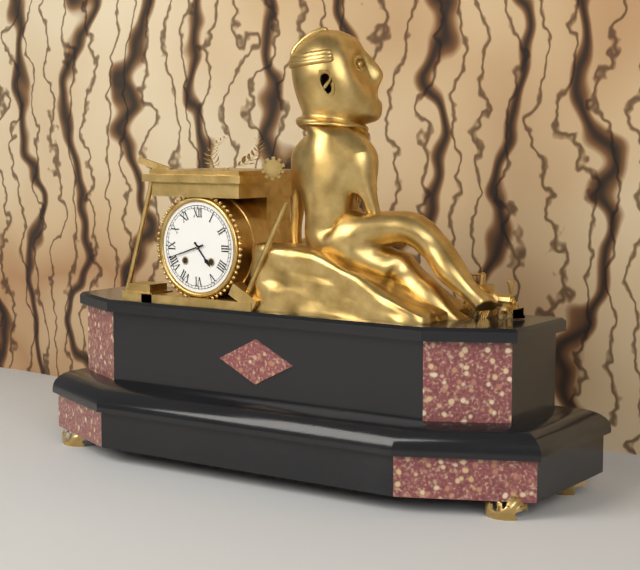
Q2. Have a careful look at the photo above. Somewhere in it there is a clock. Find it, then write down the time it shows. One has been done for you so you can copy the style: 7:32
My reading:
4:42
